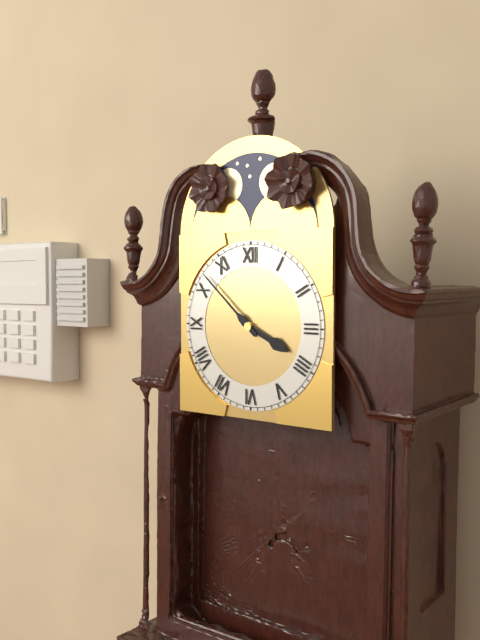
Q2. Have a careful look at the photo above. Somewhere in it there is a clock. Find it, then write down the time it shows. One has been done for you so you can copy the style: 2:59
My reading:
3:52
